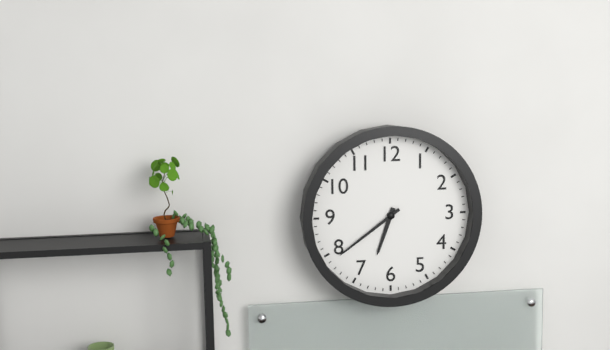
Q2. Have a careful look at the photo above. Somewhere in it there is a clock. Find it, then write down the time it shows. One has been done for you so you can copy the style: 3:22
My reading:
6:39
